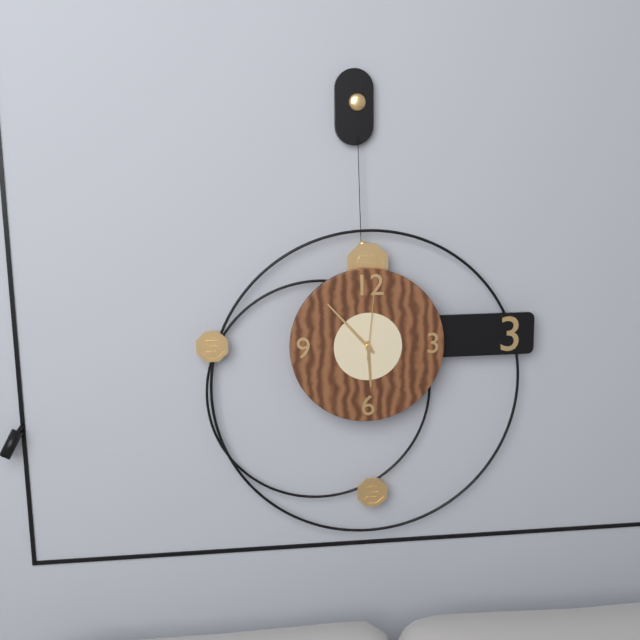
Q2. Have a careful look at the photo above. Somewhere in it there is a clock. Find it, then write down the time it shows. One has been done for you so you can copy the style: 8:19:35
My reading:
5:53:01
